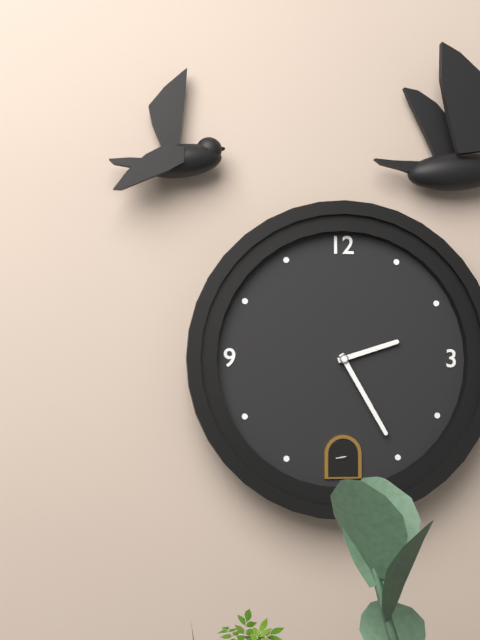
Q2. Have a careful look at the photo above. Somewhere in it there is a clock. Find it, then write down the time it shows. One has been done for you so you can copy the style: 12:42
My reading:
2:25
